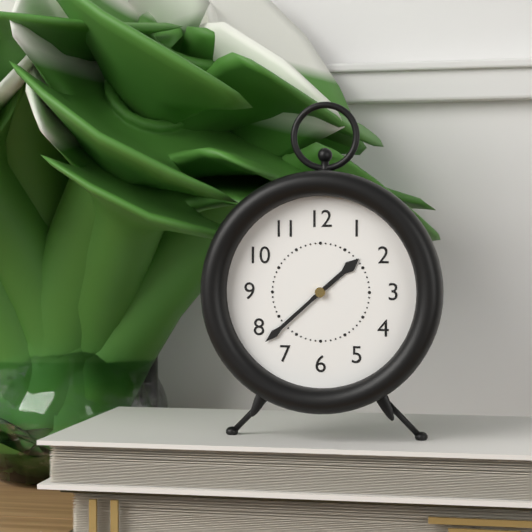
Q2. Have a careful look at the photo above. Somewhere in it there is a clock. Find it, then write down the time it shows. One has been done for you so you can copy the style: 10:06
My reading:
1:38
